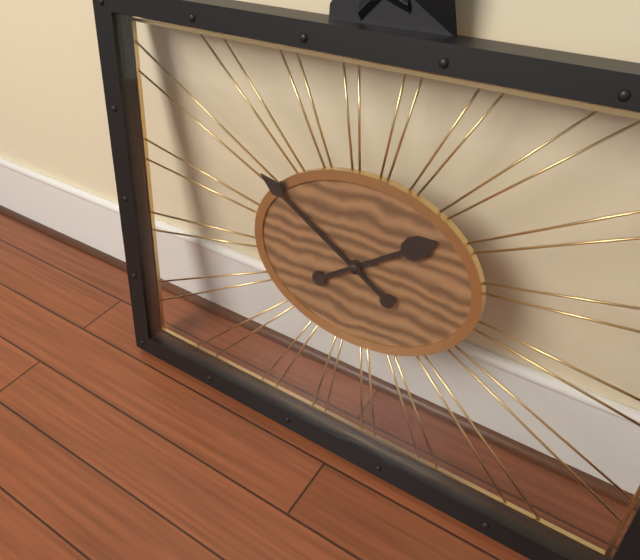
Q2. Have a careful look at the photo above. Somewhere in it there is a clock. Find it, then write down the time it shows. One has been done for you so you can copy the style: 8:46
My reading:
1:50
